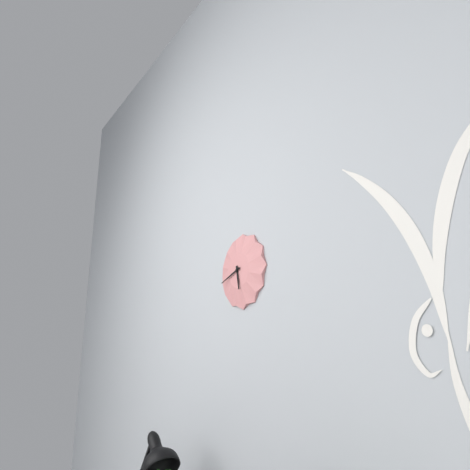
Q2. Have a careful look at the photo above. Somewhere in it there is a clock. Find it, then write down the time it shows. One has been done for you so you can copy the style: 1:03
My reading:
5:42
